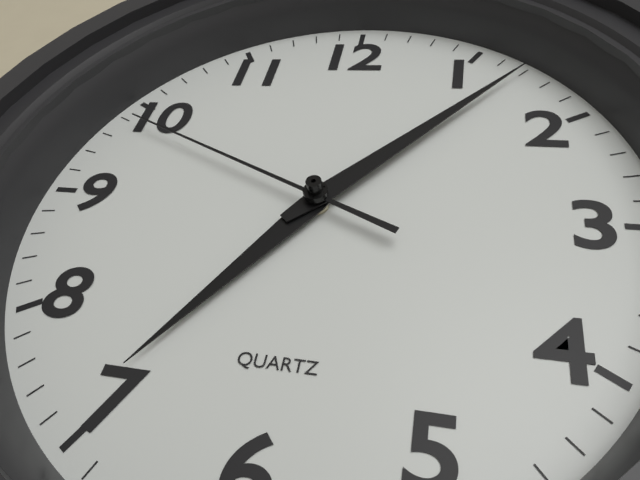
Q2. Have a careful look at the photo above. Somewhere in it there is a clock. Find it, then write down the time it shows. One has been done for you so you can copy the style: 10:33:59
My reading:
7:07:49
